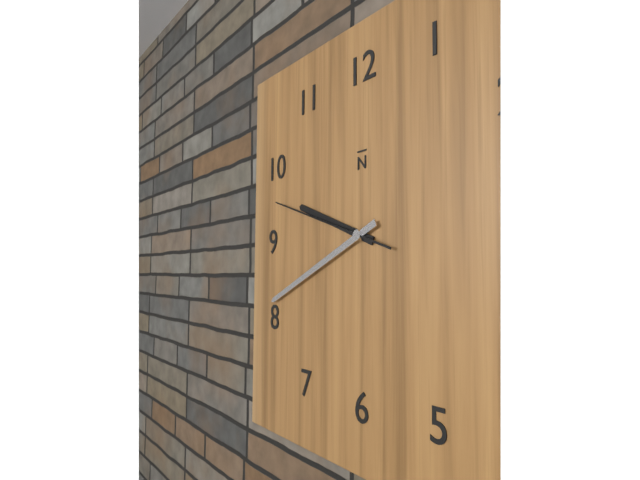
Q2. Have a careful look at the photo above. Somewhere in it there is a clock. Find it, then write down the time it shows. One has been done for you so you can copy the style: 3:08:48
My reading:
9:41:48
